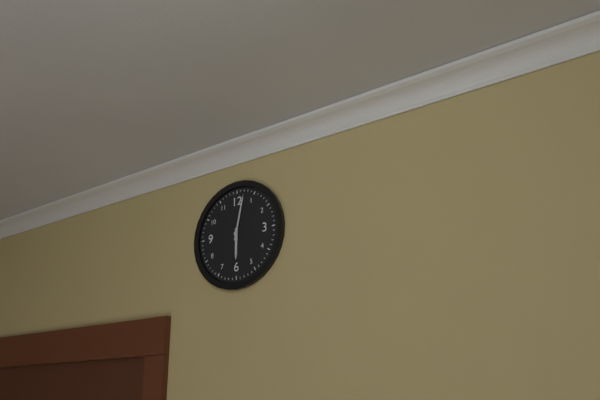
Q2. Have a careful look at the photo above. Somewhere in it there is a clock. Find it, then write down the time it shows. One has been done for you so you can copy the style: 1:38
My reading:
6:02
